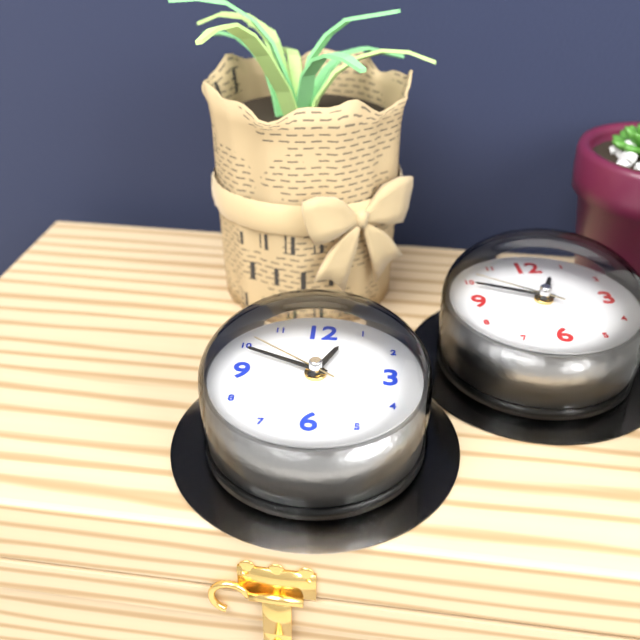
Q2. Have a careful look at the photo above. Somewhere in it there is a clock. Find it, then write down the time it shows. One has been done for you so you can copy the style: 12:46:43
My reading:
12:49:51
